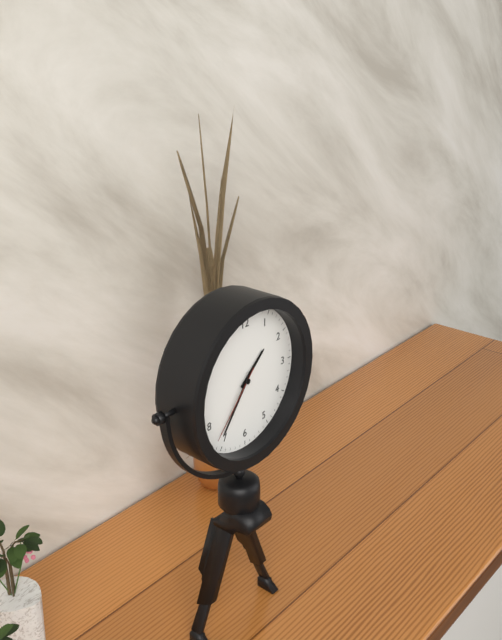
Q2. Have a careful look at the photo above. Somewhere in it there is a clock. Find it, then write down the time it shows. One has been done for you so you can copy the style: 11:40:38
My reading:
1:36:37
